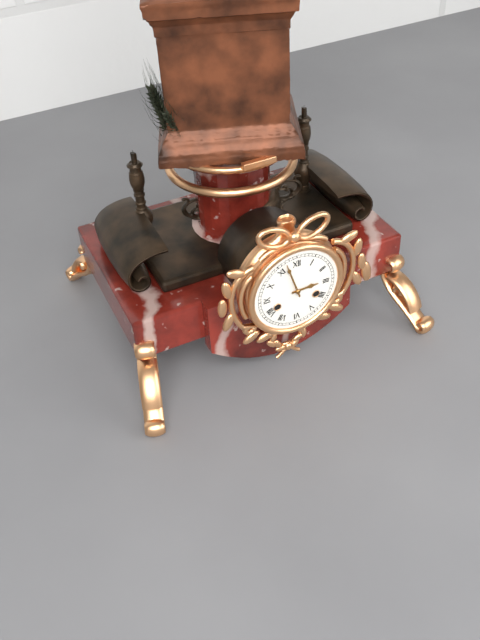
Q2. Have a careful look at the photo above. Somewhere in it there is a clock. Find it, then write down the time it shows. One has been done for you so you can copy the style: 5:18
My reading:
2:57
